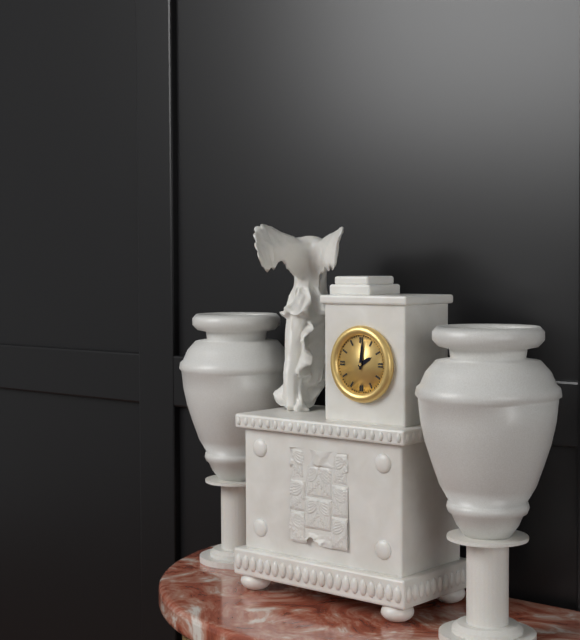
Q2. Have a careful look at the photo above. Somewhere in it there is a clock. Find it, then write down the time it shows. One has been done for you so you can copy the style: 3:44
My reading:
2:01
